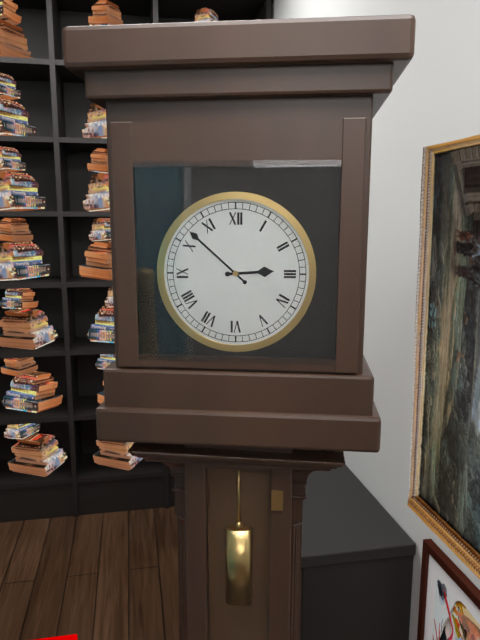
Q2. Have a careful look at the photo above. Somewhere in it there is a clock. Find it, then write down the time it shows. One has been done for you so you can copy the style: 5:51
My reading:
2:52
